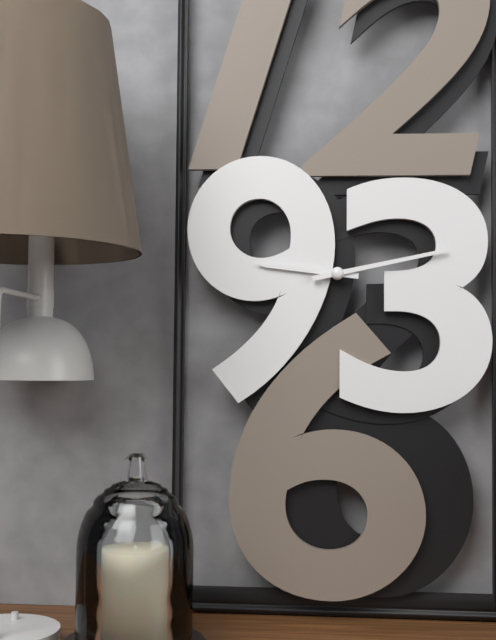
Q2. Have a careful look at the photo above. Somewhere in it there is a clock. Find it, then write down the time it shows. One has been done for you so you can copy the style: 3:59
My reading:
9:13
